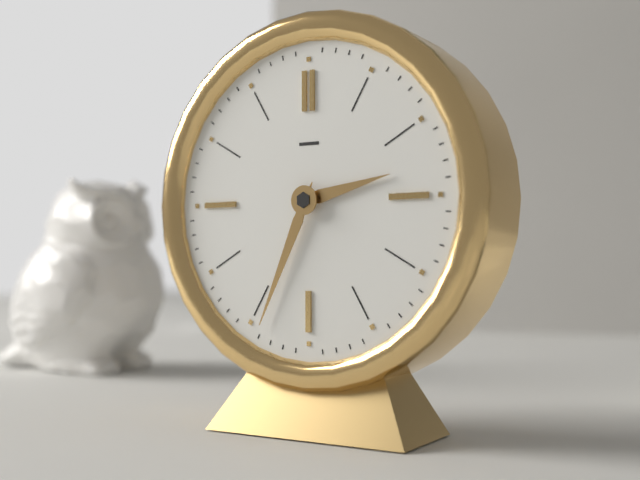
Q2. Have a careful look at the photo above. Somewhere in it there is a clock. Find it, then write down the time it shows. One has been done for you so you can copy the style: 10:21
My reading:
2:34
